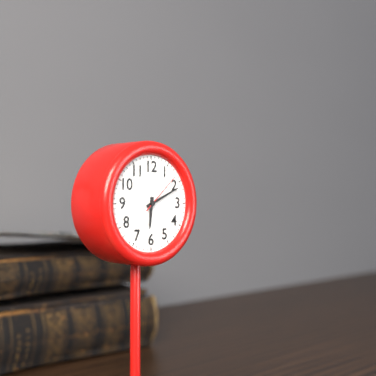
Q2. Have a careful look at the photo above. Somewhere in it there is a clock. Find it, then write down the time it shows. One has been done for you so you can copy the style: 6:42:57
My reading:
6:11:08
